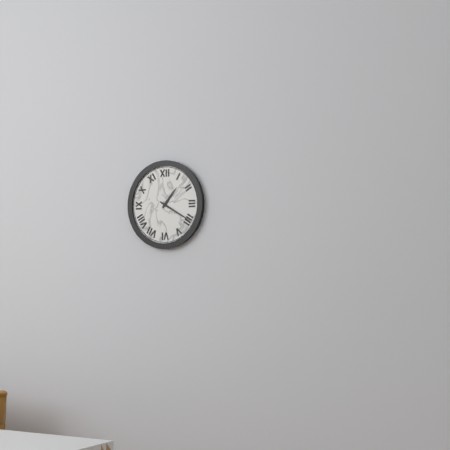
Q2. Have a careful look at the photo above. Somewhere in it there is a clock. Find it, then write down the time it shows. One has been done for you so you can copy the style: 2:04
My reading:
1:20
